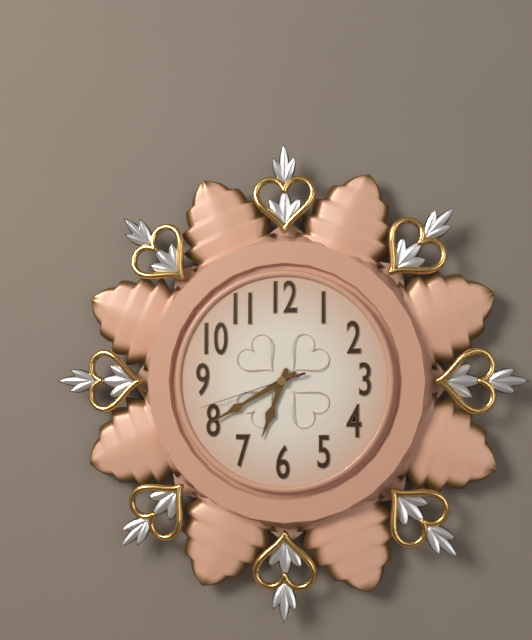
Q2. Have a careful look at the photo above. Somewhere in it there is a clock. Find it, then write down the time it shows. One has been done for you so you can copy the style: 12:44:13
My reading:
6:40:42
